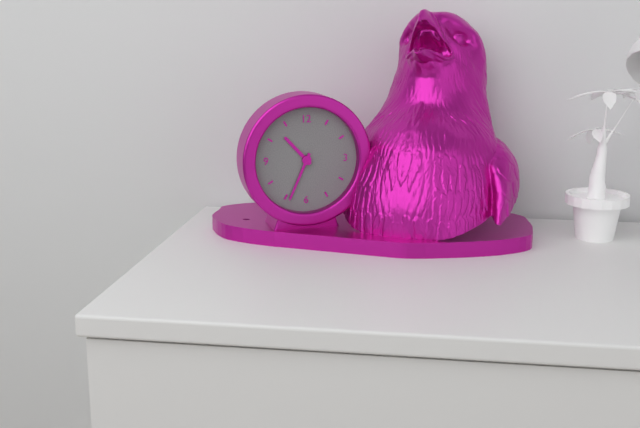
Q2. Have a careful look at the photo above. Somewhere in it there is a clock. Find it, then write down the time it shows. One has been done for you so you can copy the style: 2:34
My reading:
10:34
